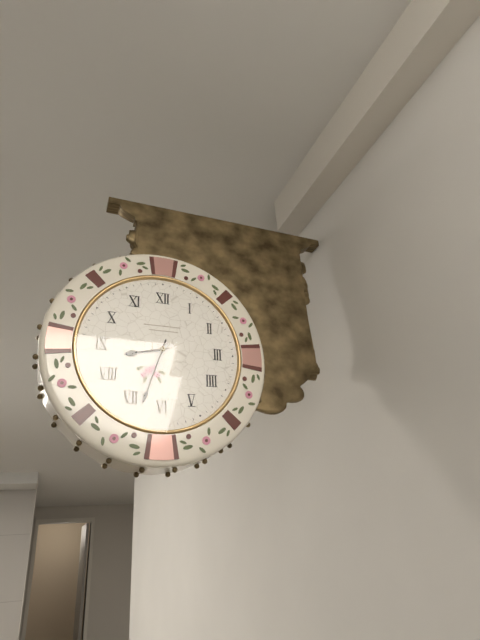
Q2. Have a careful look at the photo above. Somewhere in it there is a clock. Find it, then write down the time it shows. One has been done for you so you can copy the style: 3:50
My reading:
8:33
